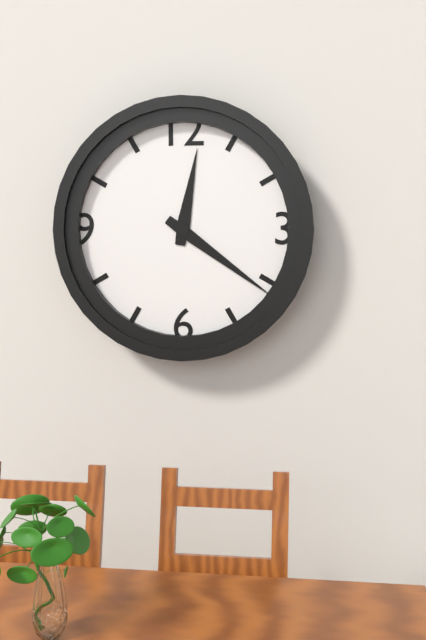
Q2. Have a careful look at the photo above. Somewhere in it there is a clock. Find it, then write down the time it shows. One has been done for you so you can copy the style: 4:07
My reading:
12:21
